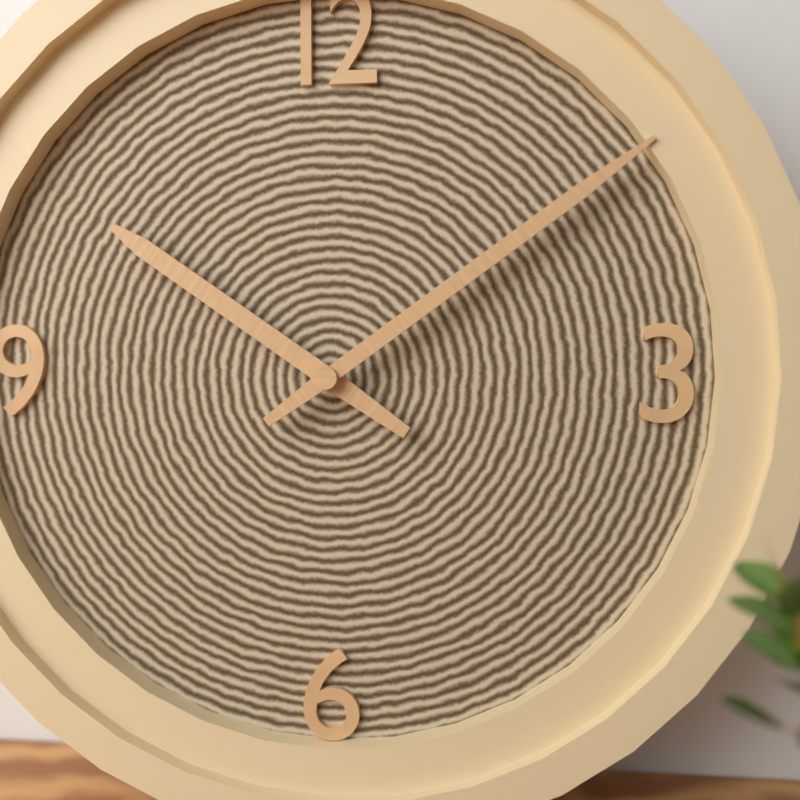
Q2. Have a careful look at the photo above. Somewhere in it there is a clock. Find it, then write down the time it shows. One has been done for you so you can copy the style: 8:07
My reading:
10:09
